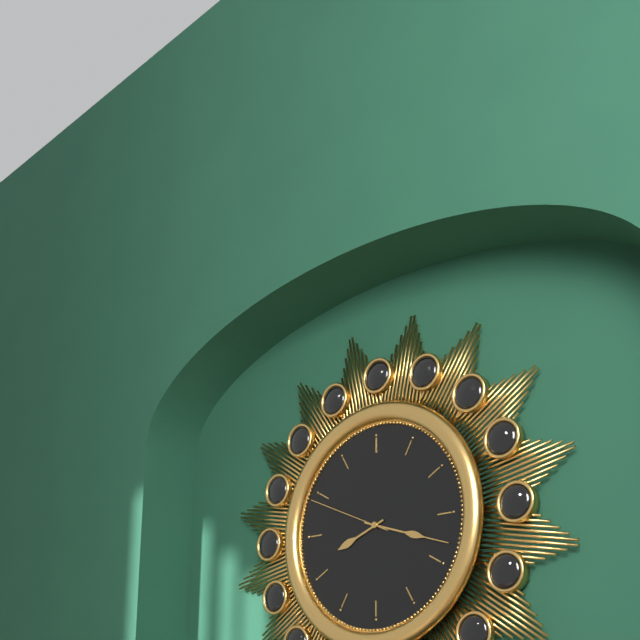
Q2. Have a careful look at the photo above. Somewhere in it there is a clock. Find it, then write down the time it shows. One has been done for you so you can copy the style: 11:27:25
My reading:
8:18:49
